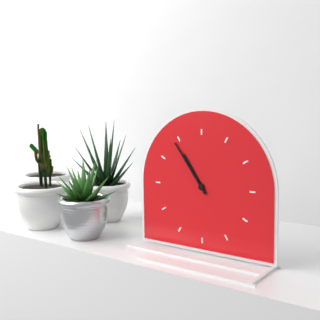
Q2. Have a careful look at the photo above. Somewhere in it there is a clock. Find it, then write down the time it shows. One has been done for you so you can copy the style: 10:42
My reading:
10:54
